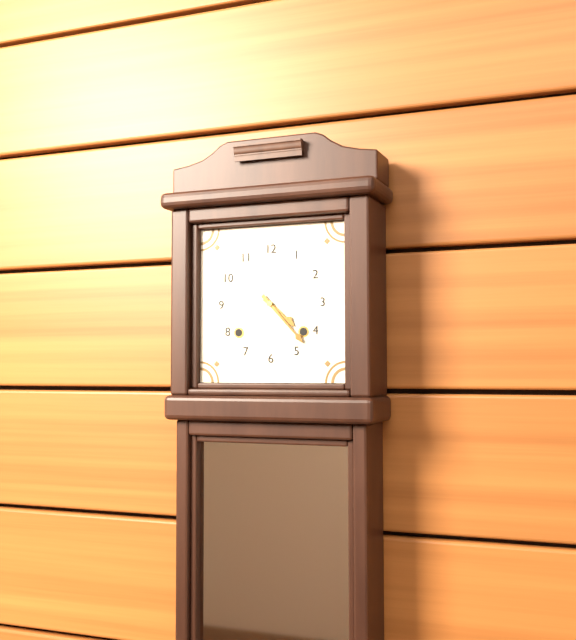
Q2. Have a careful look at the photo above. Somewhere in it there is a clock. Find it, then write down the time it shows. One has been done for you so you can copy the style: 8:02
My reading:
4:23
